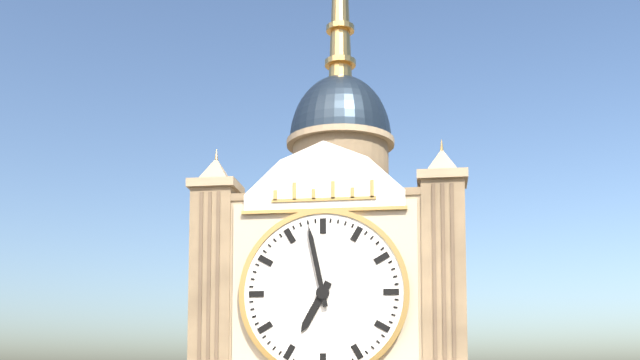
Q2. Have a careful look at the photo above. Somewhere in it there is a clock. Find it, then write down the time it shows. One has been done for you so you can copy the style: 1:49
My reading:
6:58
